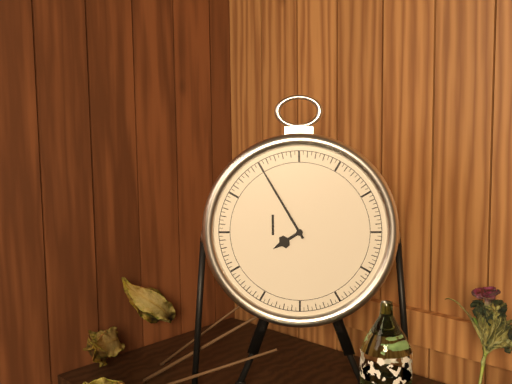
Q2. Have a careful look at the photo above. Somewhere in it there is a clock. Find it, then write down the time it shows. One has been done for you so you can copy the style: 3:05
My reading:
7:55
